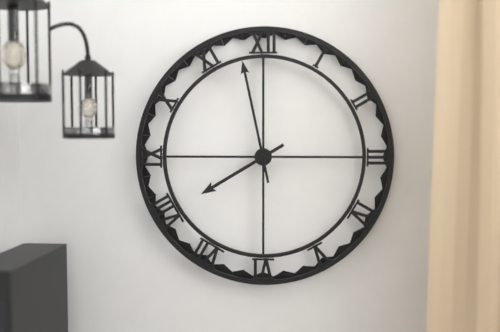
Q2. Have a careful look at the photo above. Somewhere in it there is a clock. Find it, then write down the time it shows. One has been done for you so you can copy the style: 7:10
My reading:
7:58
